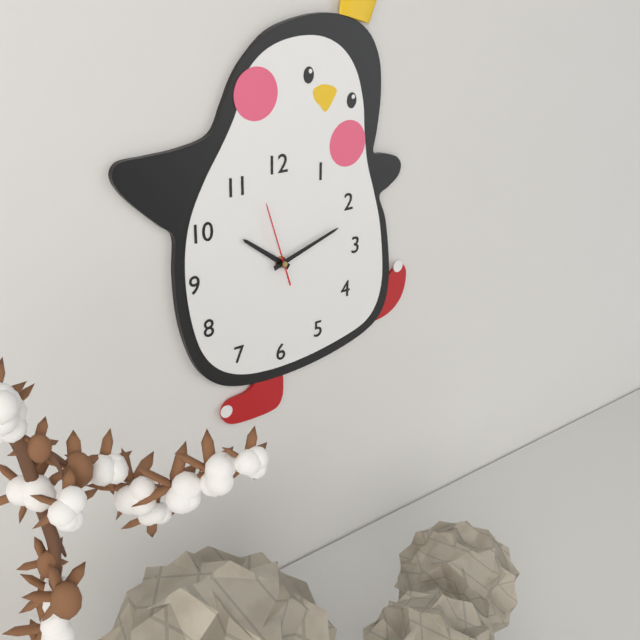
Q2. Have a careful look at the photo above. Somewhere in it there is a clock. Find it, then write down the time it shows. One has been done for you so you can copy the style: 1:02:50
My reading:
10:12:57
